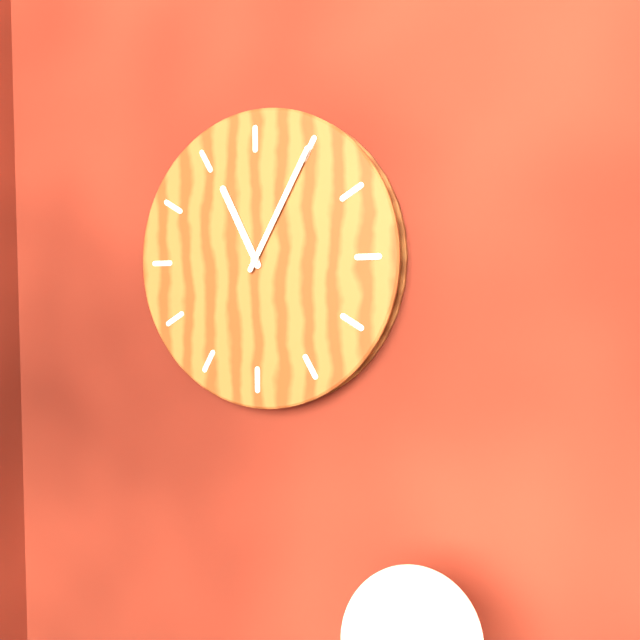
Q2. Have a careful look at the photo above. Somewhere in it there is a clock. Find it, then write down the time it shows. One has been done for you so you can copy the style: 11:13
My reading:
11:05
